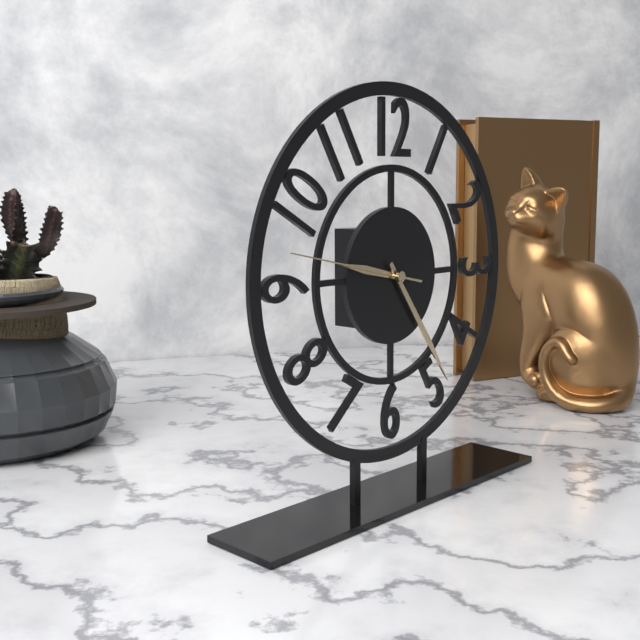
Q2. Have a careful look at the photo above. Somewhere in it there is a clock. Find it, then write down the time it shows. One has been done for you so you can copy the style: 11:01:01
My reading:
9:24:47
